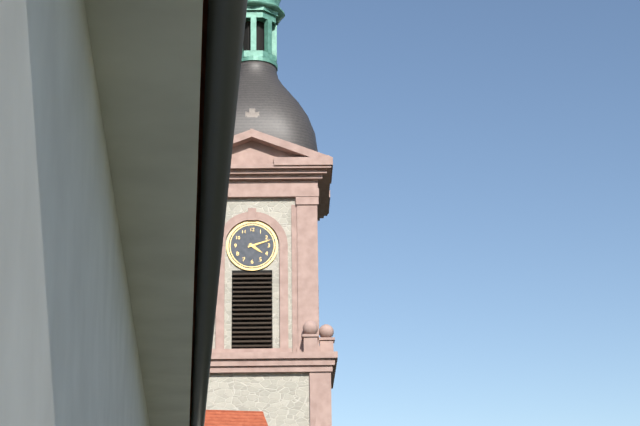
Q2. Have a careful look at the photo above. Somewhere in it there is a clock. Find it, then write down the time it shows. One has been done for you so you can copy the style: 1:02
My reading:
4:12
